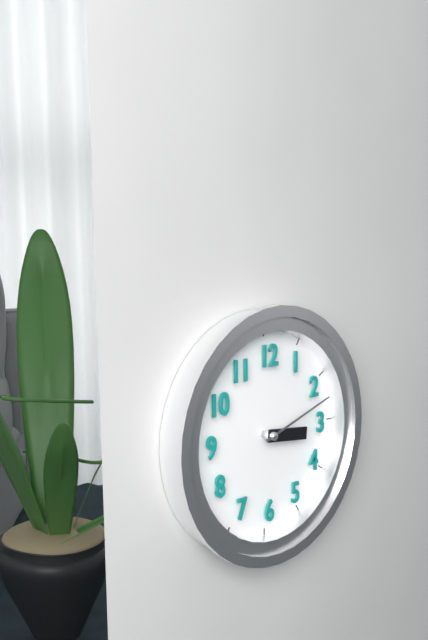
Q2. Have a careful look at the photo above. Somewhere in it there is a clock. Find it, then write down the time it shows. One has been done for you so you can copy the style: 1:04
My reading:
3:12
